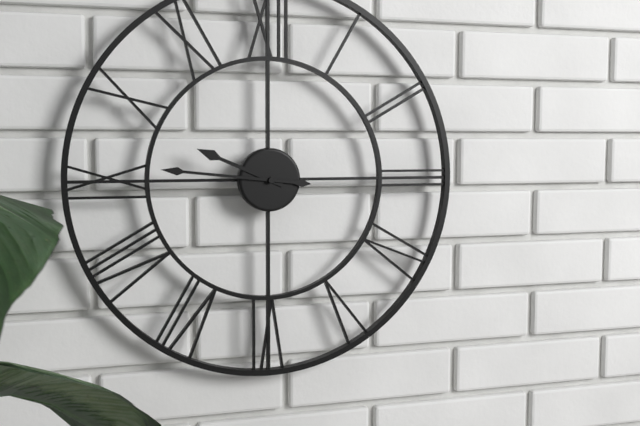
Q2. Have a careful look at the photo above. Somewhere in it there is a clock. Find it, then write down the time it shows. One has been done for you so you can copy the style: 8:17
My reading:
9:46
